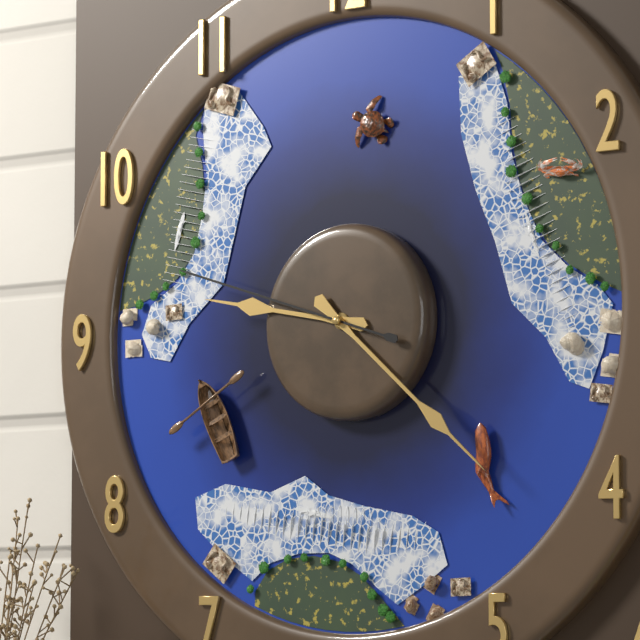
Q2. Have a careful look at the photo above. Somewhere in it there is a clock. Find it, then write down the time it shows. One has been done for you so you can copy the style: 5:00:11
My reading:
9:22:48
